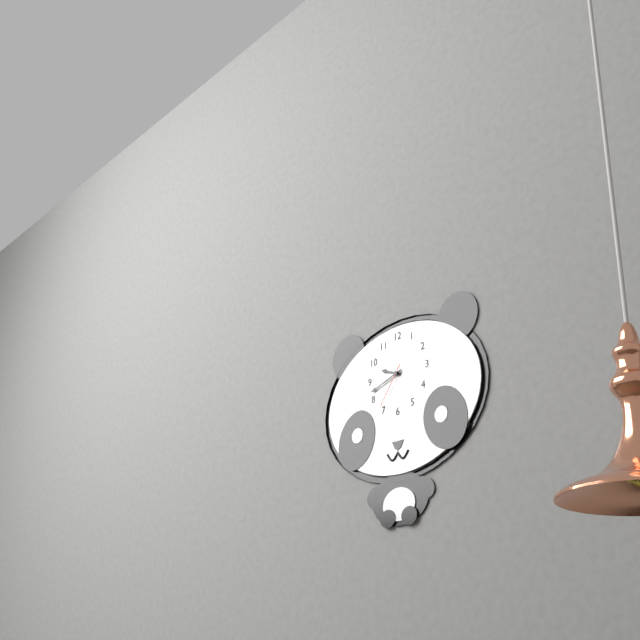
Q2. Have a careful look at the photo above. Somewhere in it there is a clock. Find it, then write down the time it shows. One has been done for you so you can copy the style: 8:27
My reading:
9:42
